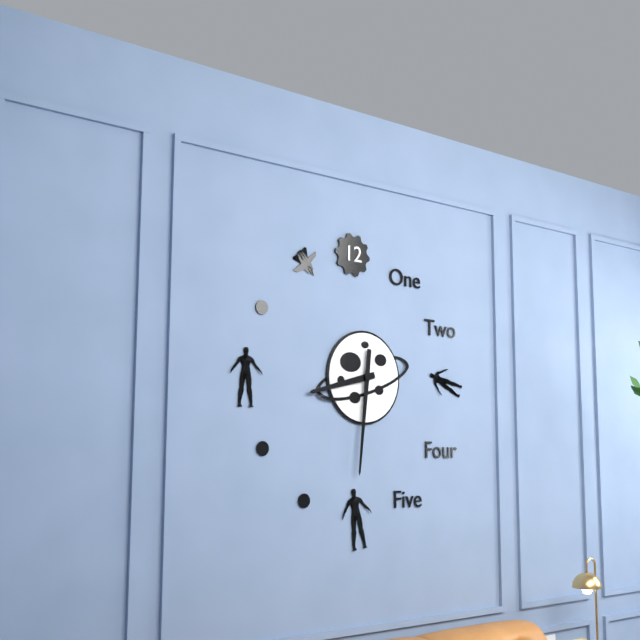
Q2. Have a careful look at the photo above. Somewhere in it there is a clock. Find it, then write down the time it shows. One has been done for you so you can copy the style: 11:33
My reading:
8:31
